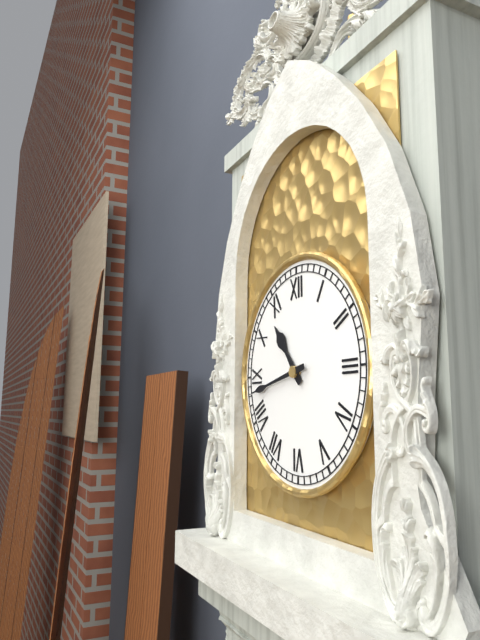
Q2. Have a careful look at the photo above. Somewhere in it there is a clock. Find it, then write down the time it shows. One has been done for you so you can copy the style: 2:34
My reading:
10:43
